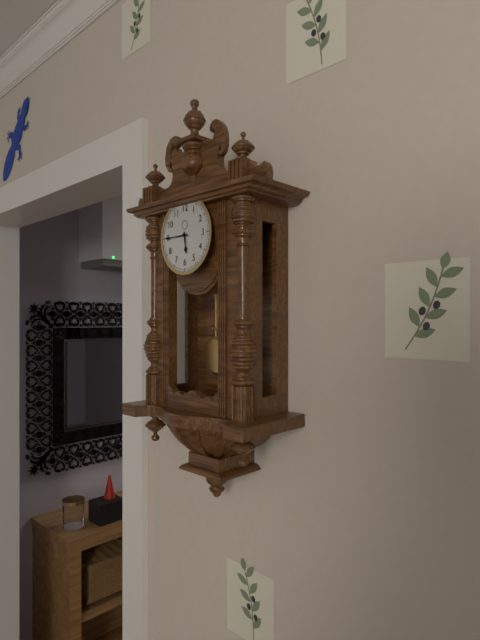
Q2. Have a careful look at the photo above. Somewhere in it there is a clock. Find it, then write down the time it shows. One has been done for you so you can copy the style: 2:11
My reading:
5:45
